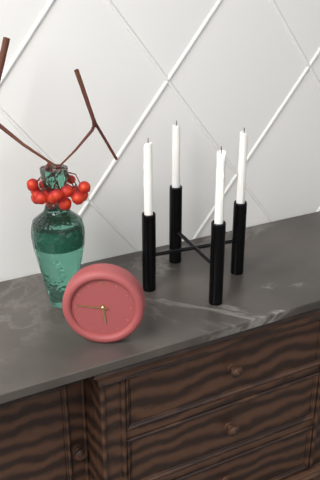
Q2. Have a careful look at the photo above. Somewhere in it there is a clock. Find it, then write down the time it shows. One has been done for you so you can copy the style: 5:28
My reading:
5:46
